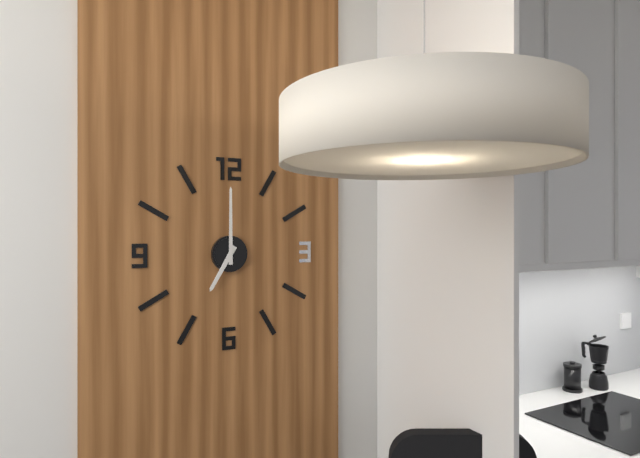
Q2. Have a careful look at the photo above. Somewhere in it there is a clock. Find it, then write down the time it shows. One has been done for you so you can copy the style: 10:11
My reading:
7:00
